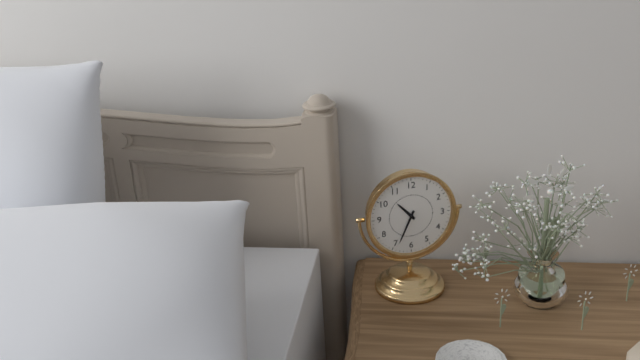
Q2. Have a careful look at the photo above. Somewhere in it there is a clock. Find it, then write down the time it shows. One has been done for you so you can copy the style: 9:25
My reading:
10:34
